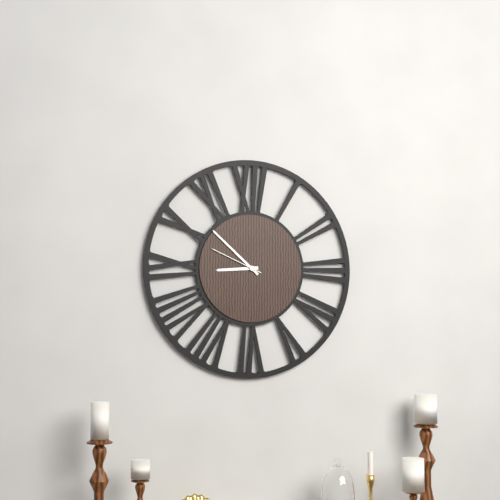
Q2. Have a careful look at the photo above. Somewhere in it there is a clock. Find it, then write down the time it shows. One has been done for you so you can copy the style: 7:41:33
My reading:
8:52:49
